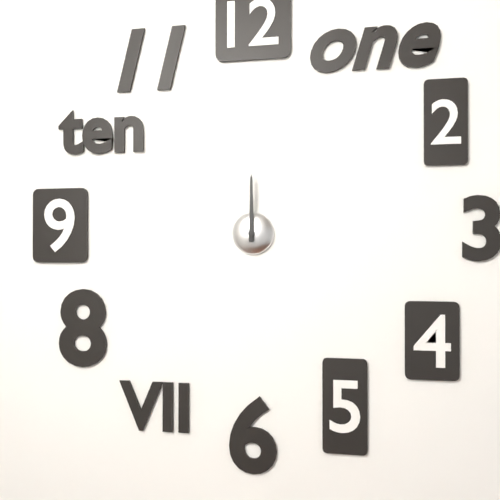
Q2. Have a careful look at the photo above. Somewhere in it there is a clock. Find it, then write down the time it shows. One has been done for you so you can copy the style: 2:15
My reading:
12:00
